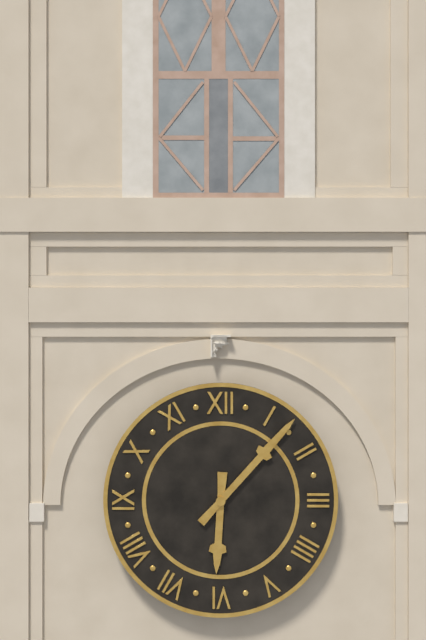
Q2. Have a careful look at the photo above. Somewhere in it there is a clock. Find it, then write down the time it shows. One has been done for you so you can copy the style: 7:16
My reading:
6:07
